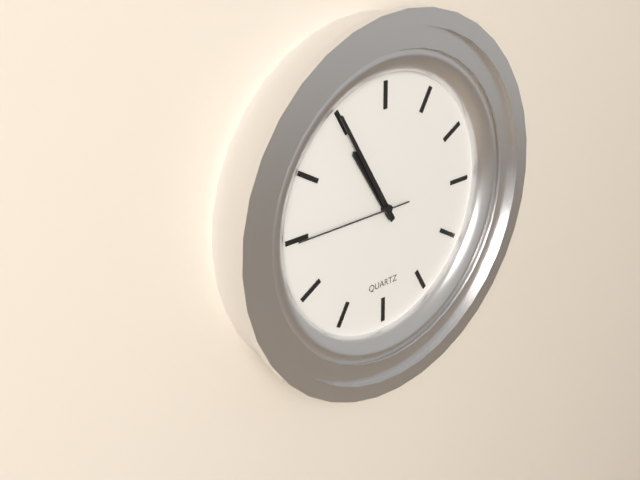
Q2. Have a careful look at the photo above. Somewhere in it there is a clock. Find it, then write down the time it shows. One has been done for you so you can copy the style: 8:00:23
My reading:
10:55:45
